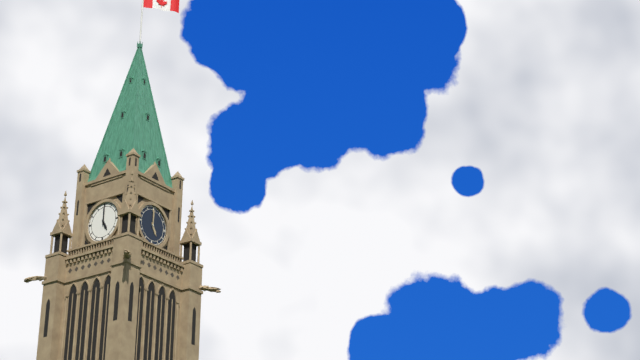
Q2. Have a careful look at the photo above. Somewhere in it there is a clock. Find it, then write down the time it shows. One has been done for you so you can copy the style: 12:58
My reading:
5:00
